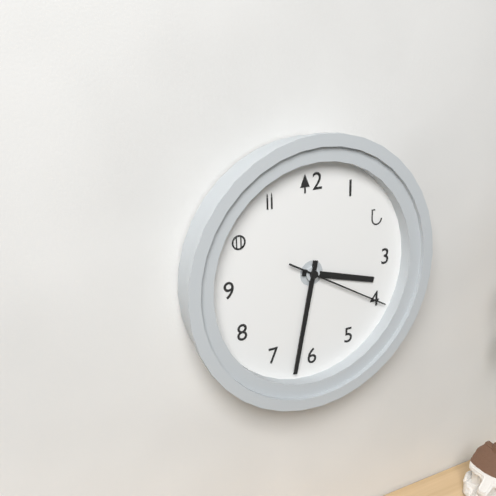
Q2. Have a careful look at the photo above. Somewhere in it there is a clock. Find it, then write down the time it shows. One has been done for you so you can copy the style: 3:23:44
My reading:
3:32:20
